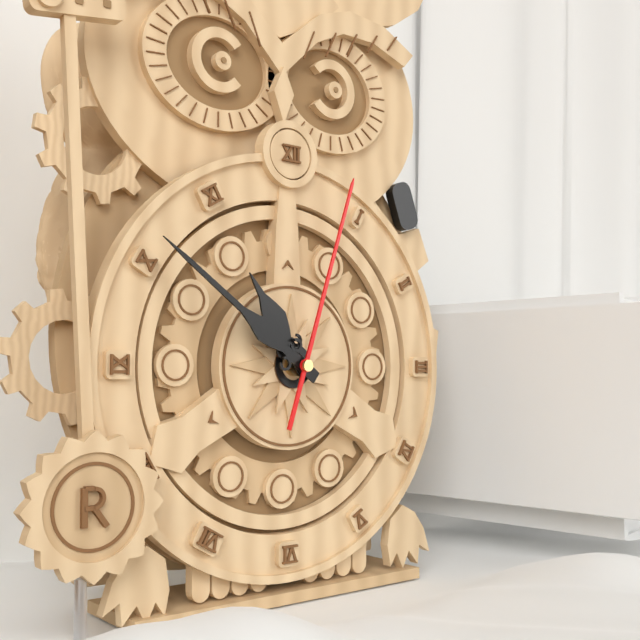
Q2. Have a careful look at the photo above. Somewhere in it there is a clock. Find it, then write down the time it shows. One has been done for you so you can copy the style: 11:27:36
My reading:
10:51:03
